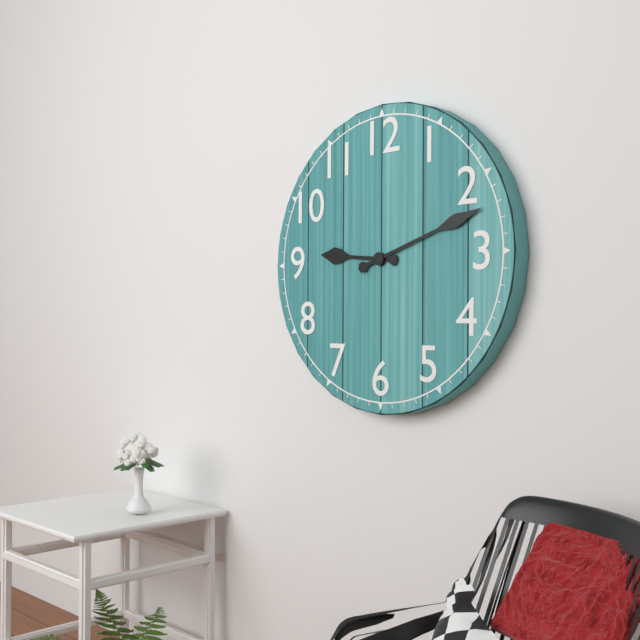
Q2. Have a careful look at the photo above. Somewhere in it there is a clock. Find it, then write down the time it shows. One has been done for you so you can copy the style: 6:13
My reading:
9:12
